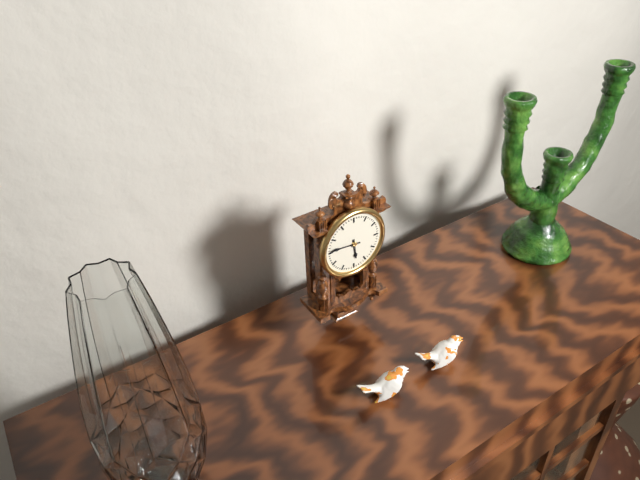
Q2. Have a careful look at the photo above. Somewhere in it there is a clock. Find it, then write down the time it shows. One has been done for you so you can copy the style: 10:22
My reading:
5:46
